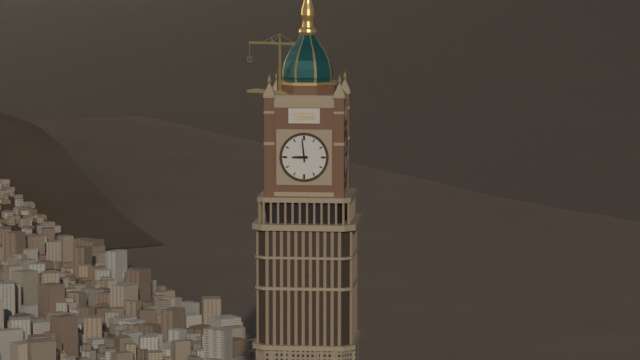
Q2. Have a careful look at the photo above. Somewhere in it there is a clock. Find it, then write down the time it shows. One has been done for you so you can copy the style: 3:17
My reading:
8:59
